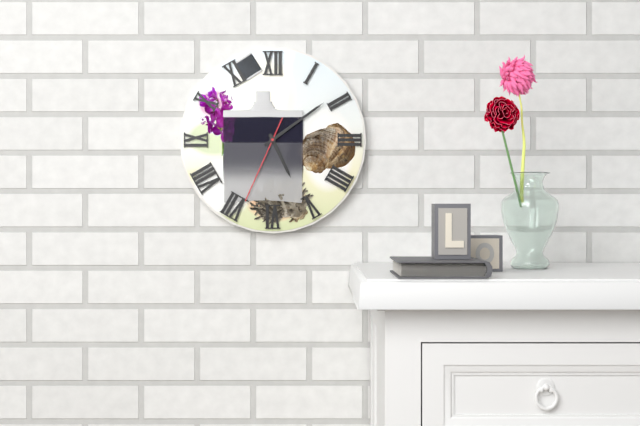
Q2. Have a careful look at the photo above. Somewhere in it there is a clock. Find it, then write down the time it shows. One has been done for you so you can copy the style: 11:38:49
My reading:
5:09:34
